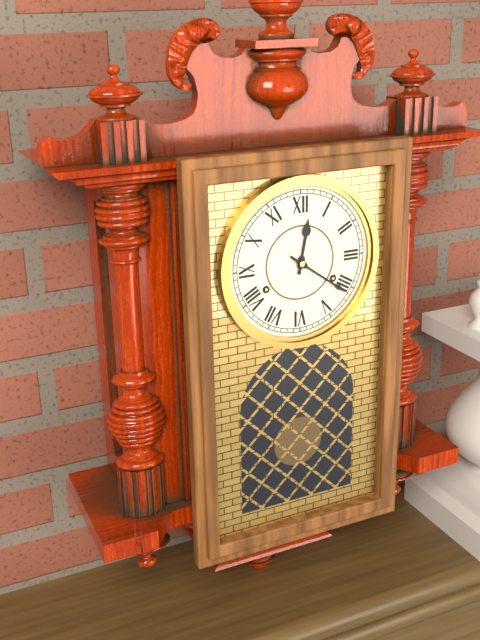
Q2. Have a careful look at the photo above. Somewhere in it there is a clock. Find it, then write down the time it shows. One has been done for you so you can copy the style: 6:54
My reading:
12:21
